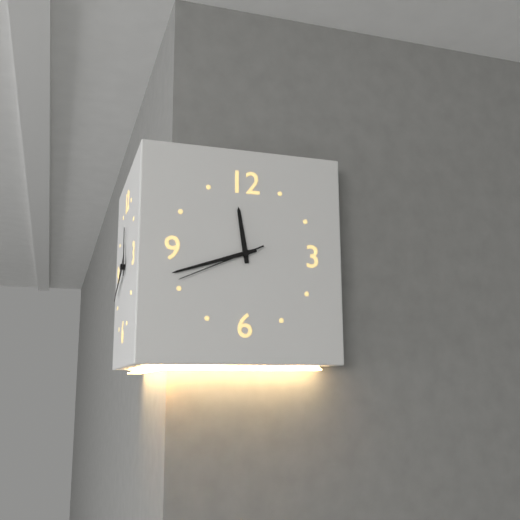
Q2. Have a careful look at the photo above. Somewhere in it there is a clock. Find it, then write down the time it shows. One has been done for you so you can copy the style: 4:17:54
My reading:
11:42:41
